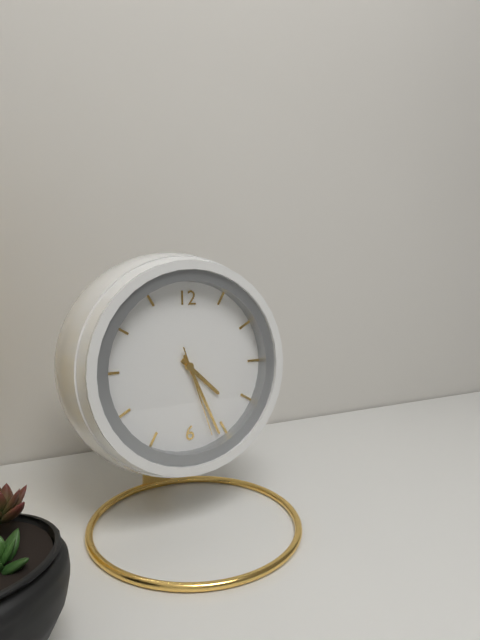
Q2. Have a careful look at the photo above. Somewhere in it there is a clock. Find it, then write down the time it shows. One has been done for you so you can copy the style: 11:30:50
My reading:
4:26:27
